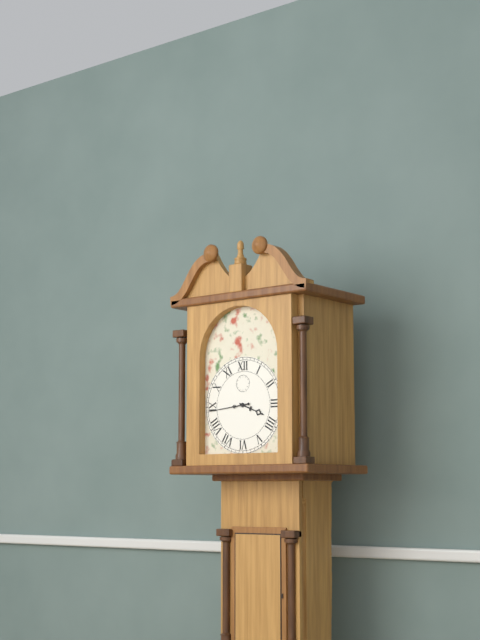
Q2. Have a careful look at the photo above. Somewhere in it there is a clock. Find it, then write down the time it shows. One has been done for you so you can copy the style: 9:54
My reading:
3:44
